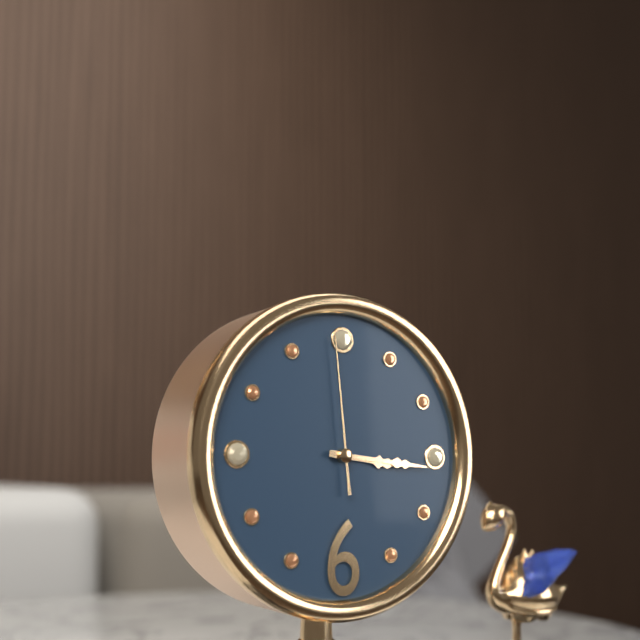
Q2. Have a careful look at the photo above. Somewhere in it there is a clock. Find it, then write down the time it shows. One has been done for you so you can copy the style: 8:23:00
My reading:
3:16:59
